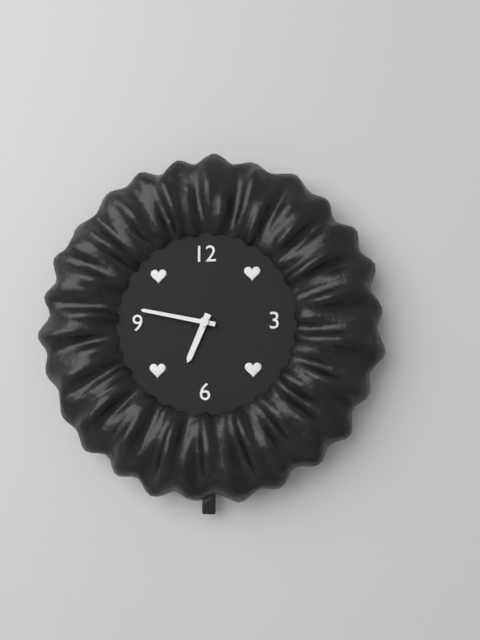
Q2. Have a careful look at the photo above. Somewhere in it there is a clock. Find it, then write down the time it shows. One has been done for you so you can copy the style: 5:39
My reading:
6:47
